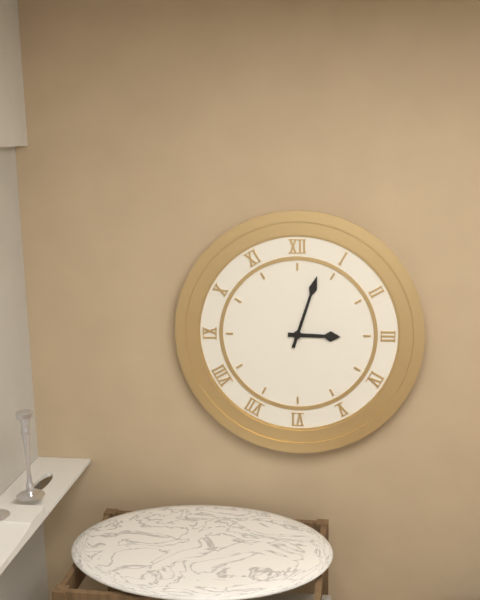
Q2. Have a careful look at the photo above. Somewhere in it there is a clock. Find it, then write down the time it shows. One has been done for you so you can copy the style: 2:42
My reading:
3:03
